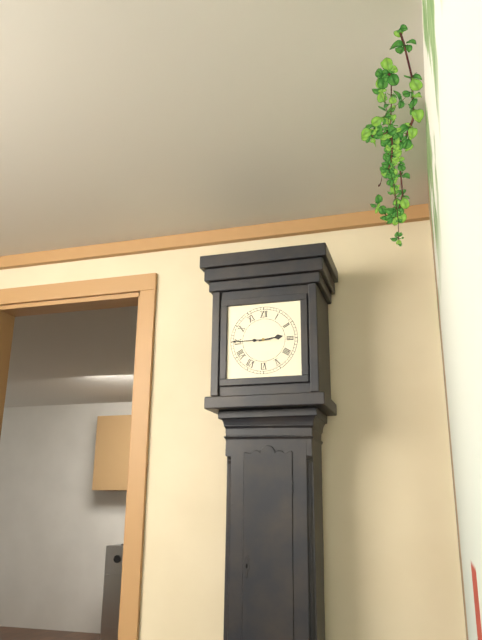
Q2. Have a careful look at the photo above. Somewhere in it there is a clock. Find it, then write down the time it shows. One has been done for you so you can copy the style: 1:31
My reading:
2:45
